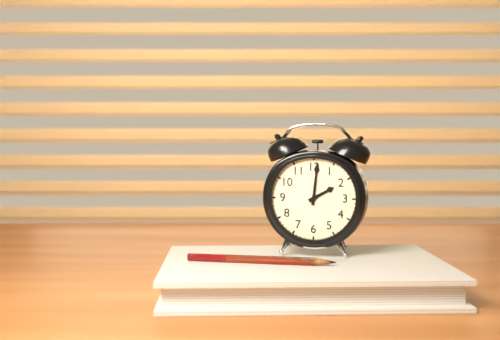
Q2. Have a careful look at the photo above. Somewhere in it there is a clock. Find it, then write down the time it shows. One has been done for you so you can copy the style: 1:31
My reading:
2:01
